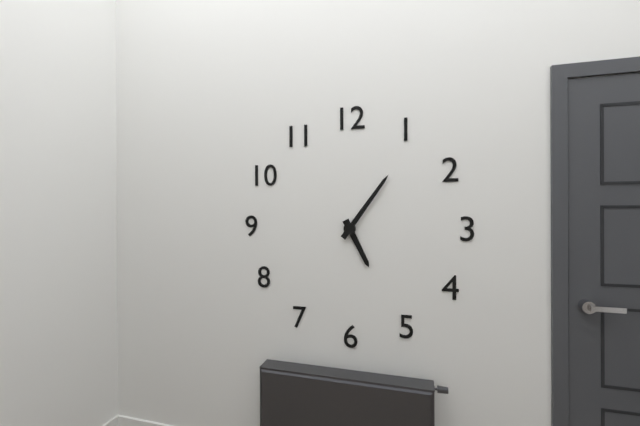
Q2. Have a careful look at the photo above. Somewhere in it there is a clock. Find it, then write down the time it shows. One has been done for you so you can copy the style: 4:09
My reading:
5:06
